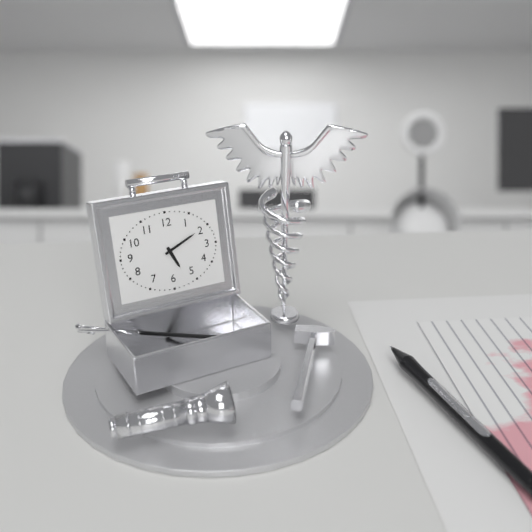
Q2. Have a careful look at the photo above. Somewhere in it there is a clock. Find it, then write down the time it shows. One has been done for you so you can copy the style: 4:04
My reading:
5:11
